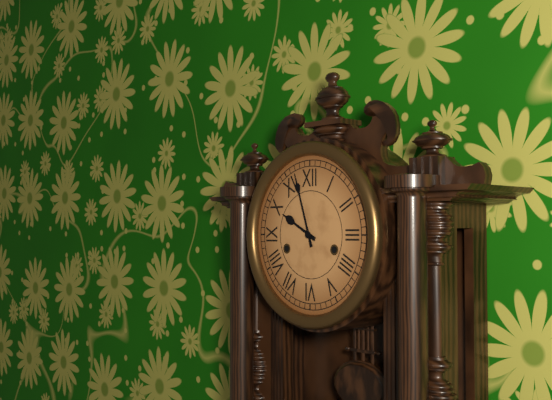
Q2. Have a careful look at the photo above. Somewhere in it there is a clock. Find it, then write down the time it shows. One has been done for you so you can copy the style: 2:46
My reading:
9:57
